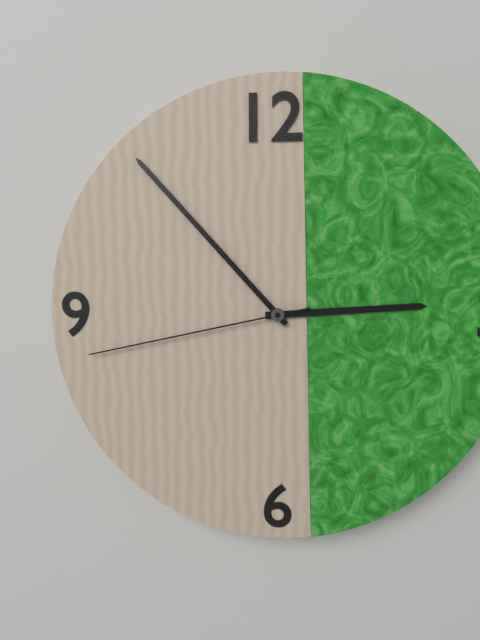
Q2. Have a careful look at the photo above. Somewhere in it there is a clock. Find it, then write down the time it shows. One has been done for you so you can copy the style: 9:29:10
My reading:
2:53:43
